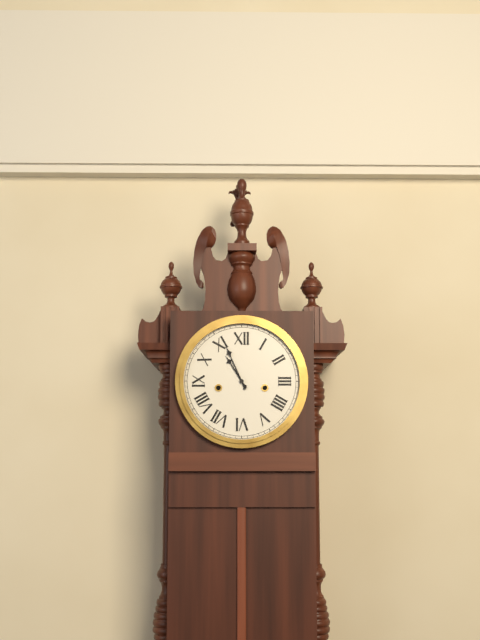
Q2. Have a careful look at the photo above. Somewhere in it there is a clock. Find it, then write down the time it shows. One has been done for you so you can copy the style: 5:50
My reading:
10:56
